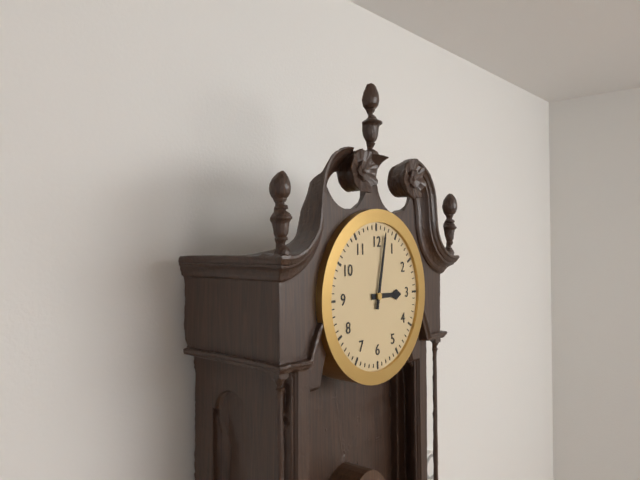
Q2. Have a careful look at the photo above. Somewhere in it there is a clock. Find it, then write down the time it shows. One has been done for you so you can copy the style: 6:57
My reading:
3:02
